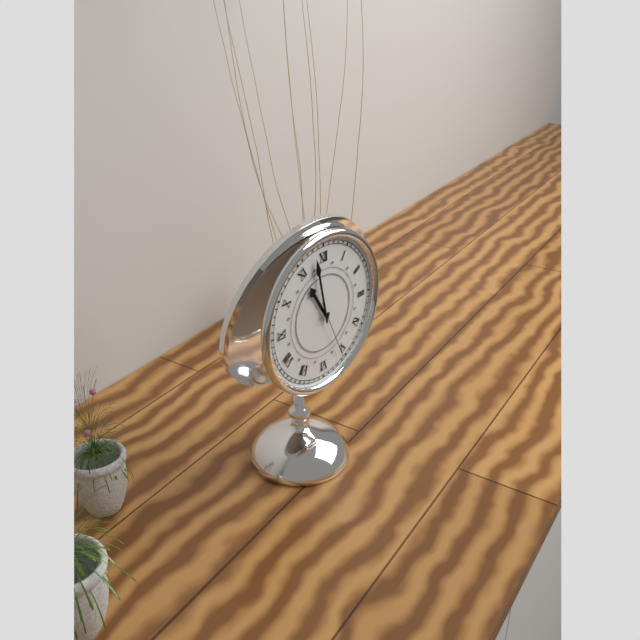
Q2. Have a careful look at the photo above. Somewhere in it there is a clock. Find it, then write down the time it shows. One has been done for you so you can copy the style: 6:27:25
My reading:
10:58:26
